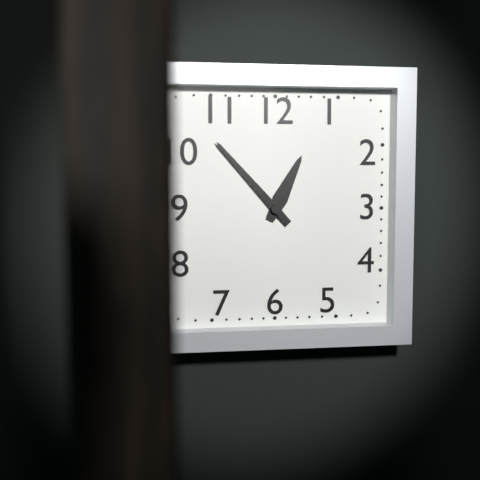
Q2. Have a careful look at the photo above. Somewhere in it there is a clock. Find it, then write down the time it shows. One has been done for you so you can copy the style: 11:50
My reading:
12:53
